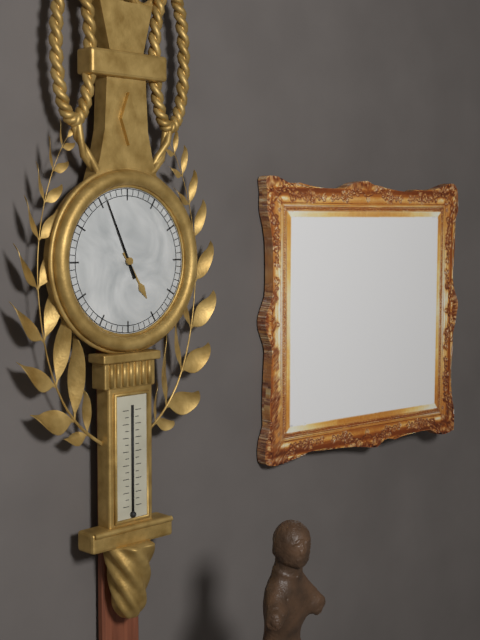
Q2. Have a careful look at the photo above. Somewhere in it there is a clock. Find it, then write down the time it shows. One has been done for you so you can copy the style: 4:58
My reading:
4:56
